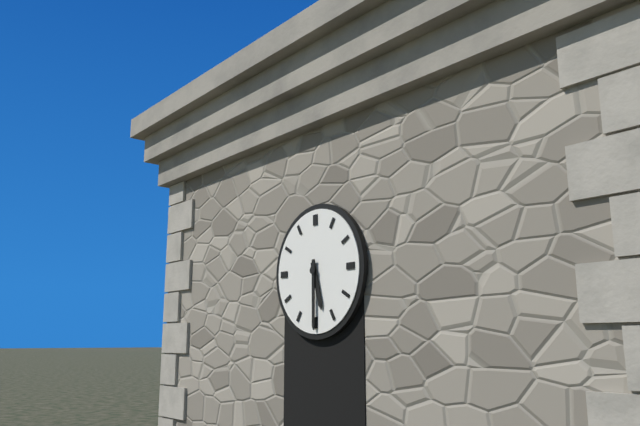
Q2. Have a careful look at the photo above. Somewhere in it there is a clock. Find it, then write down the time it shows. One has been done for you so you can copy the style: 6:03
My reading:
5:30
